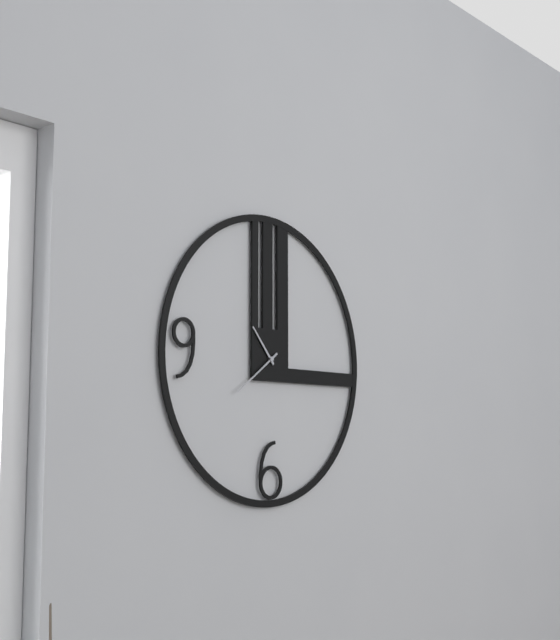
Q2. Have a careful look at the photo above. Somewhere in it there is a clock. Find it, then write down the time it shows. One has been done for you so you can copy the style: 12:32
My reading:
10:39
